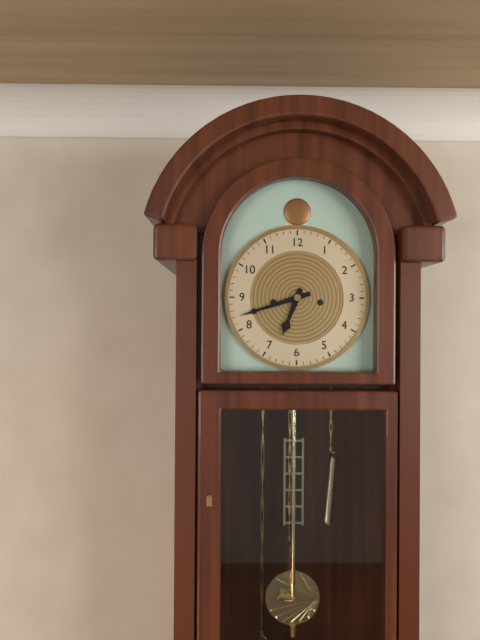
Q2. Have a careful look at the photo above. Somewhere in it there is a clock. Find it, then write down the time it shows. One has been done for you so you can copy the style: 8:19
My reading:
6:42
